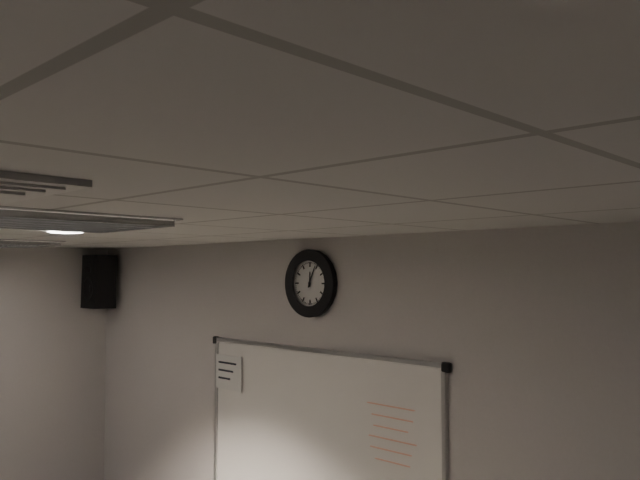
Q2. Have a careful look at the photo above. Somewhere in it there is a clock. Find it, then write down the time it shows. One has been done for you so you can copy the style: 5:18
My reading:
12:04
